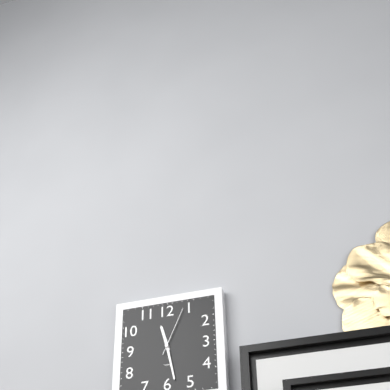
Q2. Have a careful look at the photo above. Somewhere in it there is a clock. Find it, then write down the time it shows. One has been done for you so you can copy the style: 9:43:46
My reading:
11:28:04
